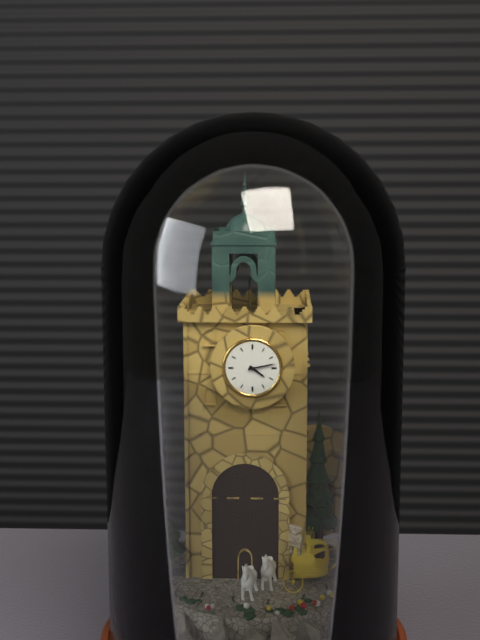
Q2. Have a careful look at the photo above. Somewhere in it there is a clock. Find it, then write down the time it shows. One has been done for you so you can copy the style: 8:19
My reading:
4:13
